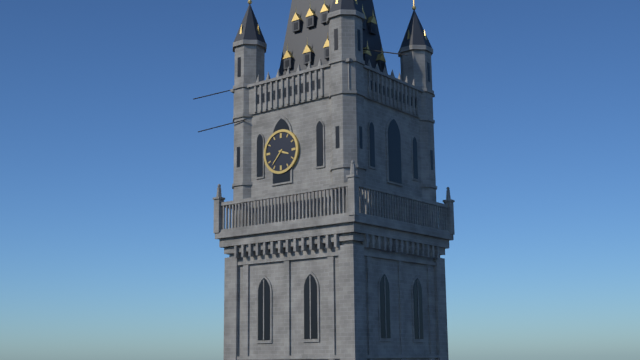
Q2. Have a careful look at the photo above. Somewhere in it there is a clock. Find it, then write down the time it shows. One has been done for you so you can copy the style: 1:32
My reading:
3:37
